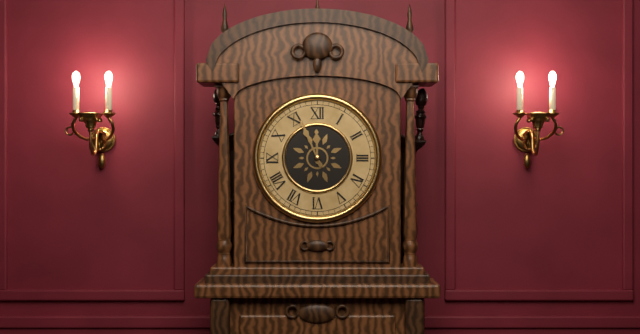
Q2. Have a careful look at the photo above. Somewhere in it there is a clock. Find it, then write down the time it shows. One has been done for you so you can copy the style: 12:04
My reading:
11:56
